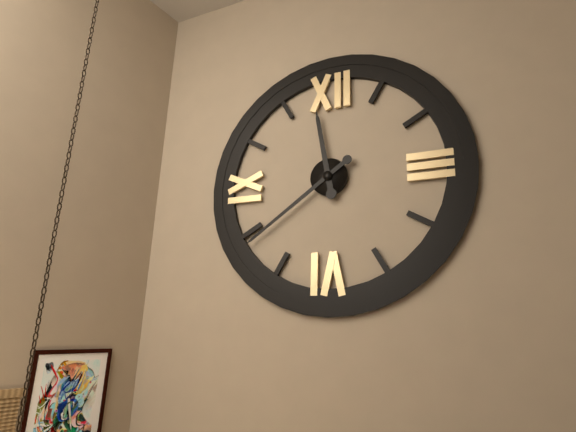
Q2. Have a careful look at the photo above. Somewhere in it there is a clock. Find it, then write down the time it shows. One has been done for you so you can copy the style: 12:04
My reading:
11:39
